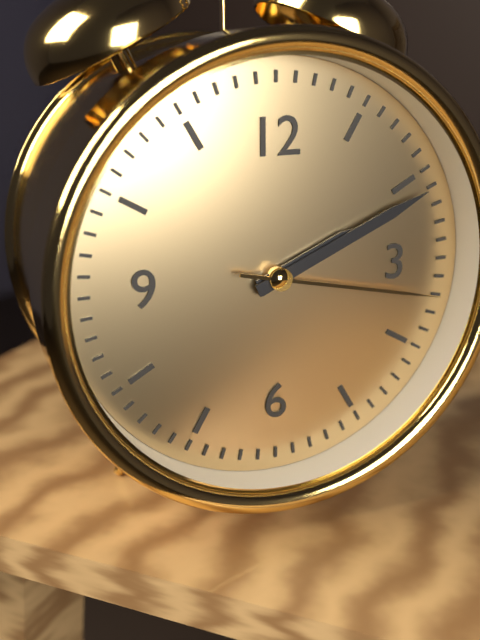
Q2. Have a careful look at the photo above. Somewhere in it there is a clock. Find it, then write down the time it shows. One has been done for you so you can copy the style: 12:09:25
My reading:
2:11:17
